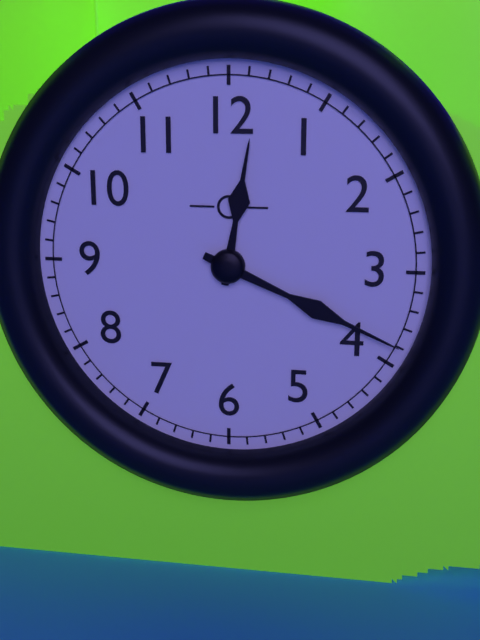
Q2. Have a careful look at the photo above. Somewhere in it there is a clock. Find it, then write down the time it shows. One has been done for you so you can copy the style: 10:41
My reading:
12:19
